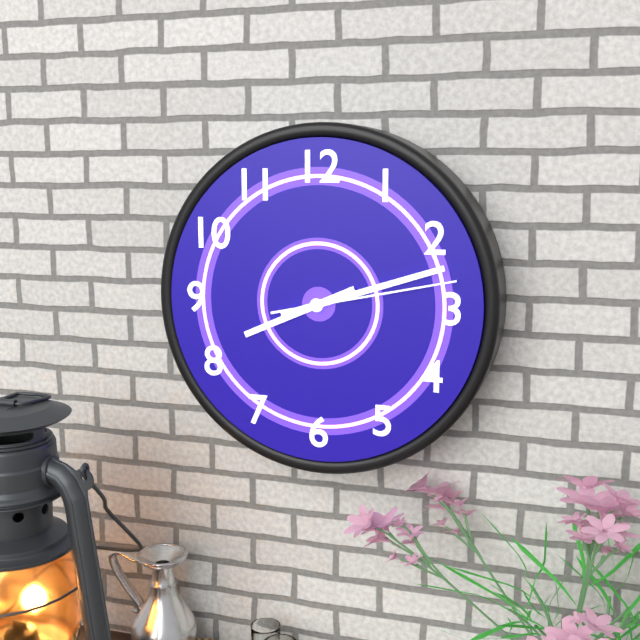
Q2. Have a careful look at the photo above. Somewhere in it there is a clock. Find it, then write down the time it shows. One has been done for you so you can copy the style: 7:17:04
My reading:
8:12:13
